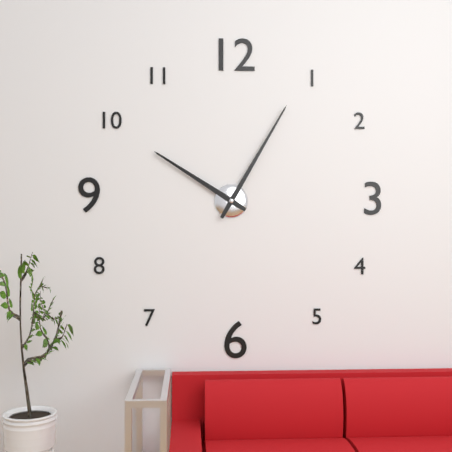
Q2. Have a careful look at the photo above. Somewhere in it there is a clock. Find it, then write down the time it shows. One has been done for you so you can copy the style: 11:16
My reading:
10:05
